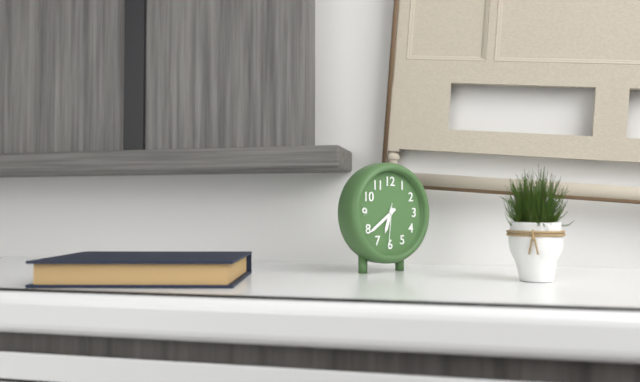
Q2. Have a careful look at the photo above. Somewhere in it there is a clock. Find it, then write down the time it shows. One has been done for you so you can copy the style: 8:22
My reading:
6:39
